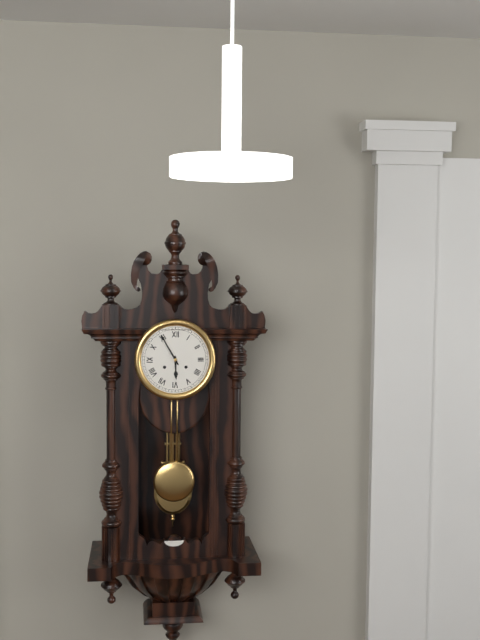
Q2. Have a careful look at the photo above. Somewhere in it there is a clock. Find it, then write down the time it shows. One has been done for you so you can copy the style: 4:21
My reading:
5:55
